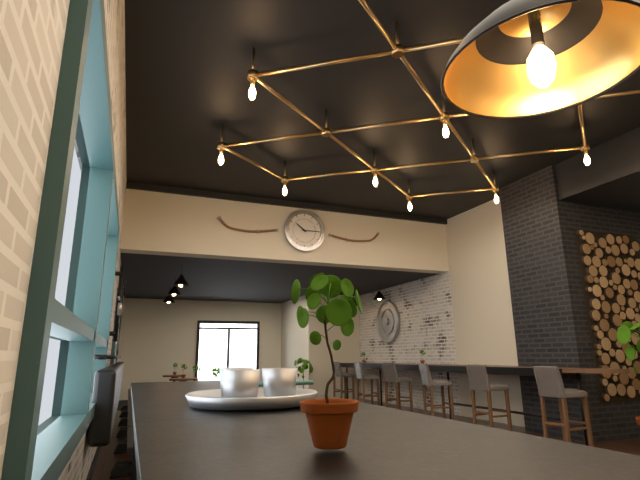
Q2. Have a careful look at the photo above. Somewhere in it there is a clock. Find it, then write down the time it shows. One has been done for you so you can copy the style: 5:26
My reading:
10:15
